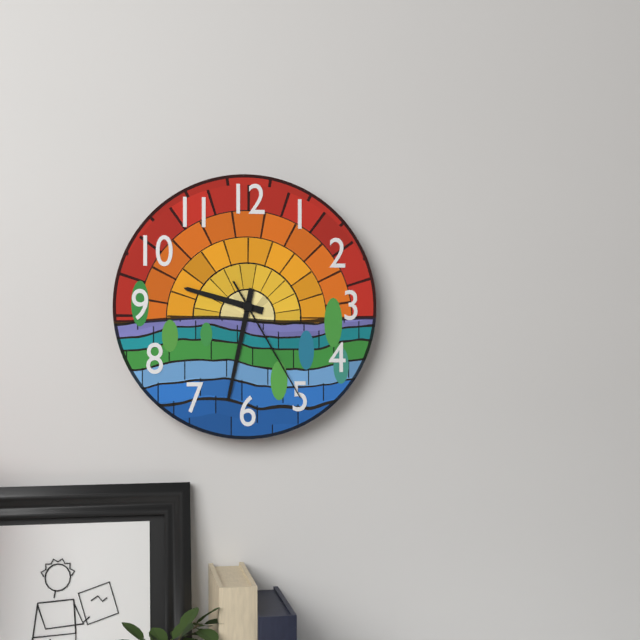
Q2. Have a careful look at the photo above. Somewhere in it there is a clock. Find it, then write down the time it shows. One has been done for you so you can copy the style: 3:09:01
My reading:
9:32:25
